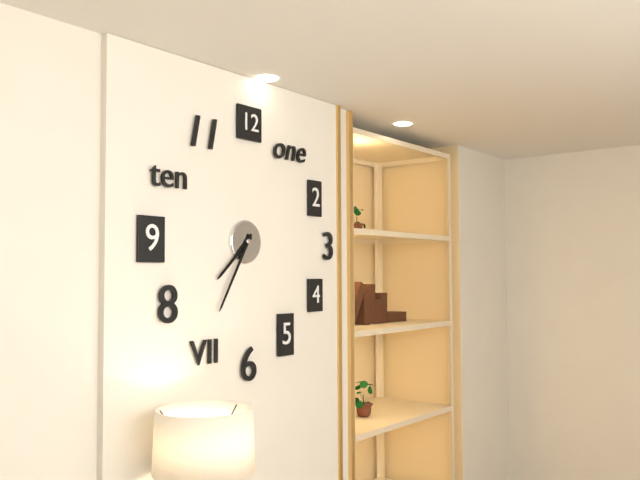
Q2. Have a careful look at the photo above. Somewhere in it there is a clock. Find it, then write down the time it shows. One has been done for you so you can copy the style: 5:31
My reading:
7:35
